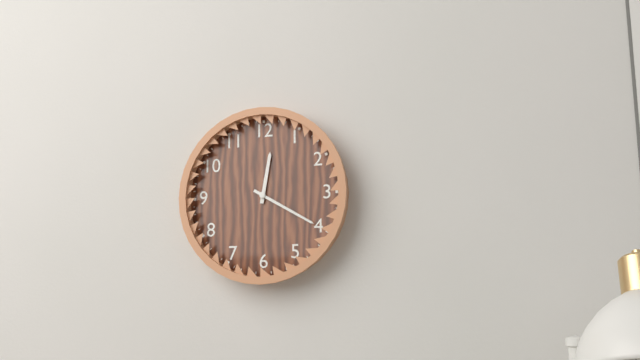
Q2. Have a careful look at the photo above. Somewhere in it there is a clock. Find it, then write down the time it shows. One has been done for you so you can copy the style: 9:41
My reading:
12:20
